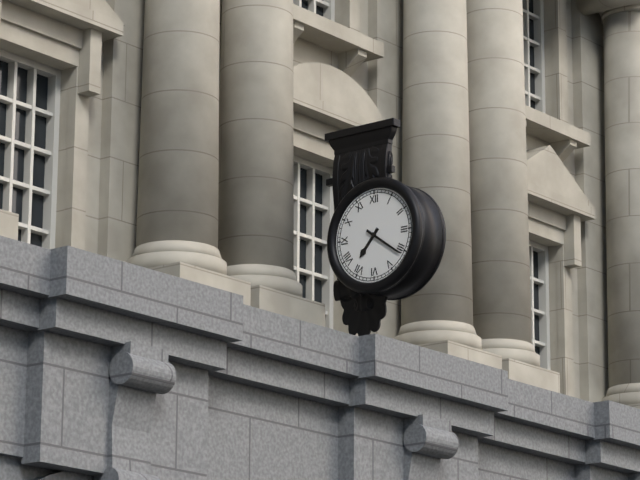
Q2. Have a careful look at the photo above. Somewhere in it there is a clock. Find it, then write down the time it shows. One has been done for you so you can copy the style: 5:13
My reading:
7:21
